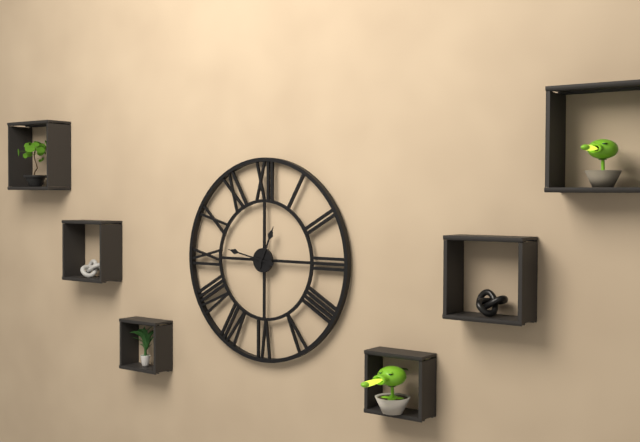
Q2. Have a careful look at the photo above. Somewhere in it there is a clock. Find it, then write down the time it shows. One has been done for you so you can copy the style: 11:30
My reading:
12:47
